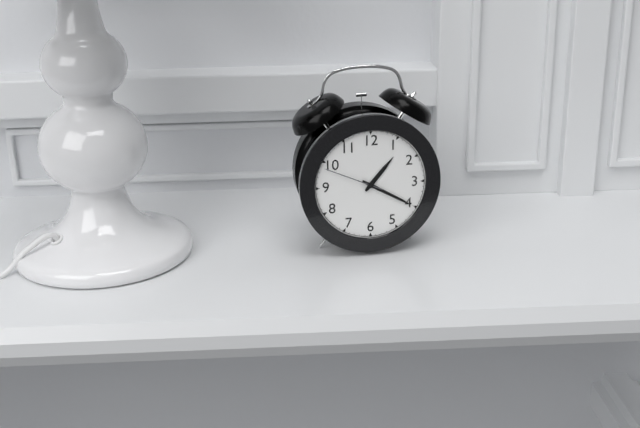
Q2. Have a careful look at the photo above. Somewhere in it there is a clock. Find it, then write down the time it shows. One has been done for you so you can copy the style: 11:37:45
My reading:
1:20:49
